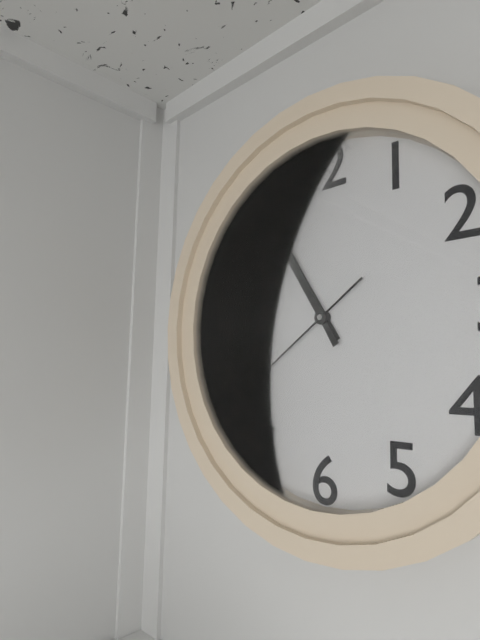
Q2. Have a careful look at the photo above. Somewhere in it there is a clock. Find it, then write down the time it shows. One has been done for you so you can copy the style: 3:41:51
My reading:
10:55:39
